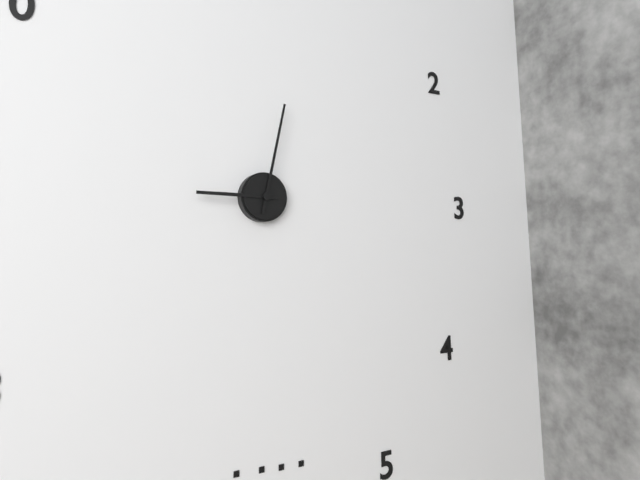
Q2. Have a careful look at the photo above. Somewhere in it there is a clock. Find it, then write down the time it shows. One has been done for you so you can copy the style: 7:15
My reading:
9:02
